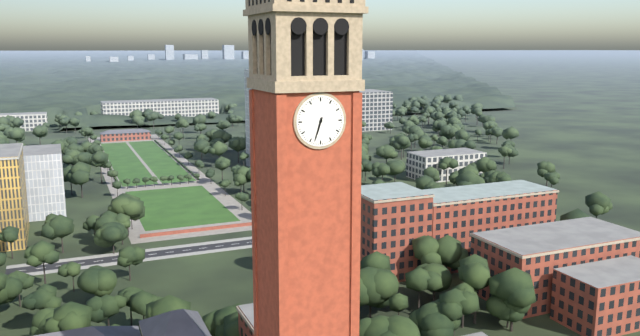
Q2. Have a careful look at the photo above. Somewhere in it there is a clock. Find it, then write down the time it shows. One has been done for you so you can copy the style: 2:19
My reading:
6:33
